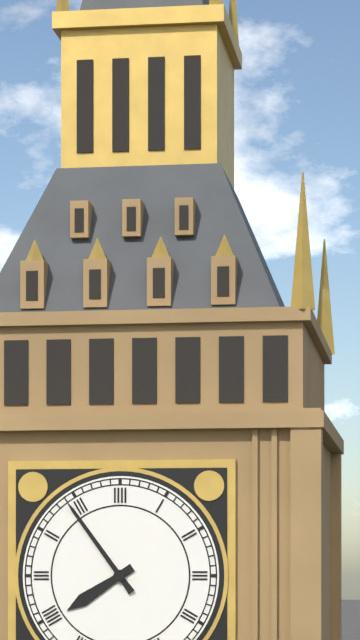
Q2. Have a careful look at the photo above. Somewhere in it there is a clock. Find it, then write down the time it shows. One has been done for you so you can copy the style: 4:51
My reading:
7:54
